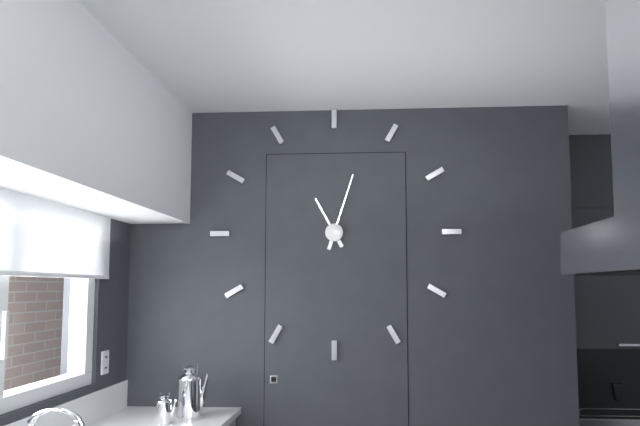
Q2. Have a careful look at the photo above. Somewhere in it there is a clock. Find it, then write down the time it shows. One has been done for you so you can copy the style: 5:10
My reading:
11:03
